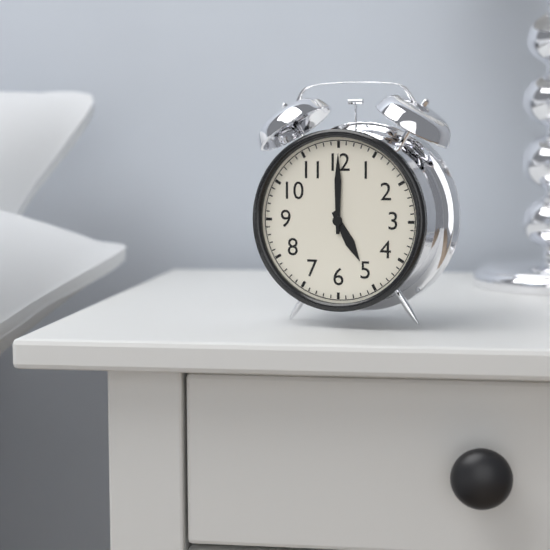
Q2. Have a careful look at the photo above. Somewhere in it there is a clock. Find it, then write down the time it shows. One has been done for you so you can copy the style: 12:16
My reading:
5:00
